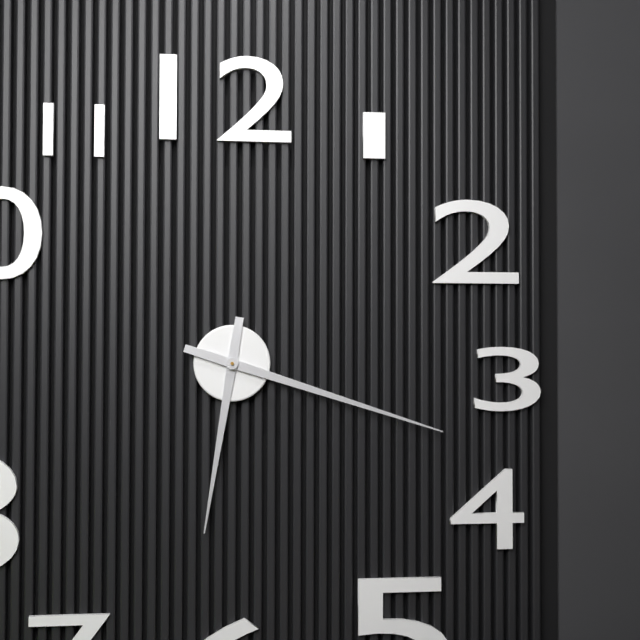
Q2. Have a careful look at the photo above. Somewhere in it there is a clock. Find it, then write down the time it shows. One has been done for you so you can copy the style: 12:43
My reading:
6:18
